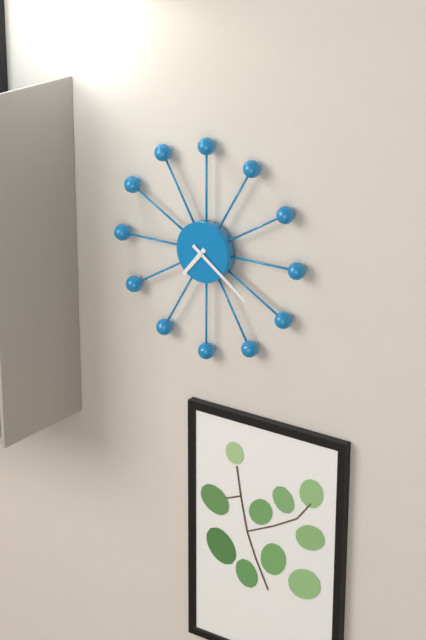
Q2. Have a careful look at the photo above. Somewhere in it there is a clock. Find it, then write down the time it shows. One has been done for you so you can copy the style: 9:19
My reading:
7:21
